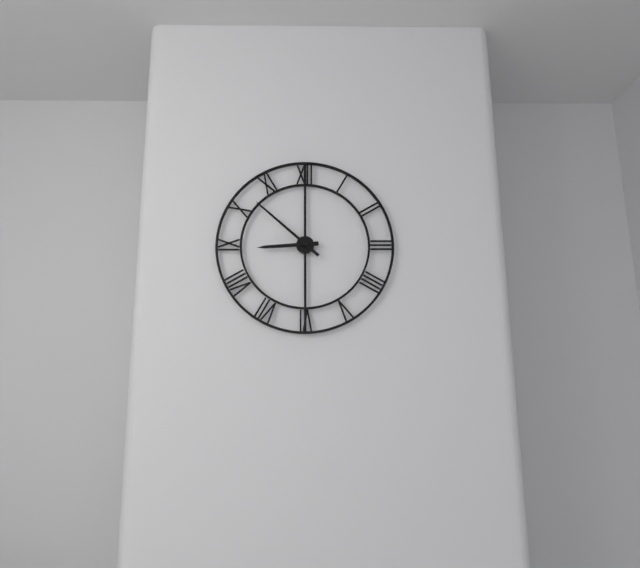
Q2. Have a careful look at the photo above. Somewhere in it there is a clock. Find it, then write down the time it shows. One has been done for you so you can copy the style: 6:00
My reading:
8:52
